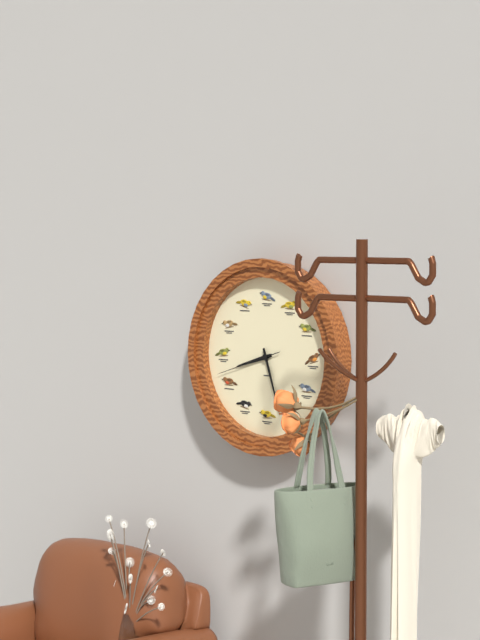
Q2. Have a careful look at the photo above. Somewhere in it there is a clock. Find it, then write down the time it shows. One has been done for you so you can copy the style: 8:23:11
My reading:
8:27:42
